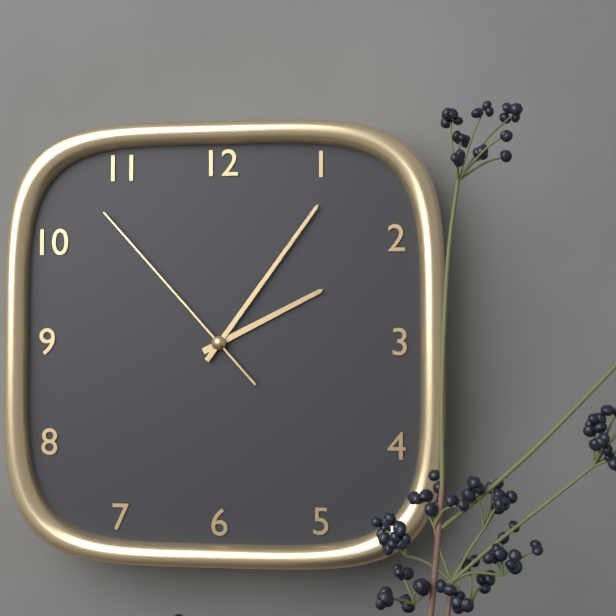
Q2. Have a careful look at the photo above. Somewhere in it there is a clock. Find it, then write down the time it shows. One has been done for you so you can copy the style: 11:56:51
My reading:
2:06:53
